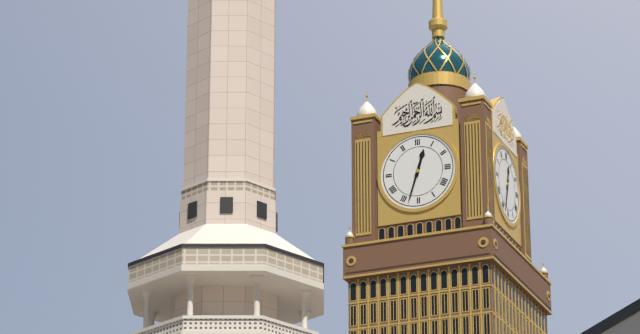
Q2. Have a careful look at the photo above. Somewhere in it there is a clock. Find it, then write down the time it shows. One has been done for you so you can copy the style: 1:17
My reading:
12:33
